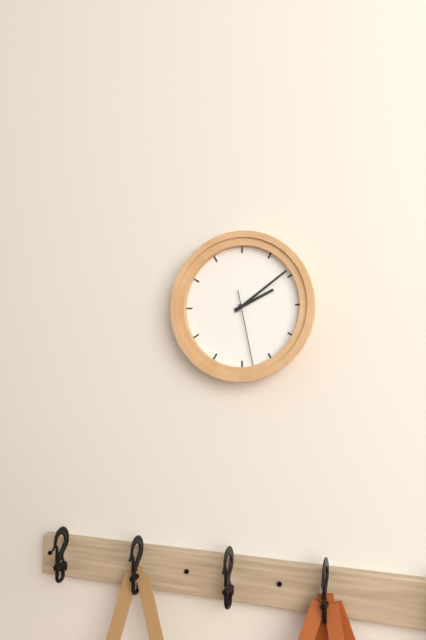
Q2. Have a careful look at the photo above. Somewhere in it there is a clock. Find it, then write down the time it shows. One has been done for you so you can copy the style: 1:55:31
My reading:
2:09:28
